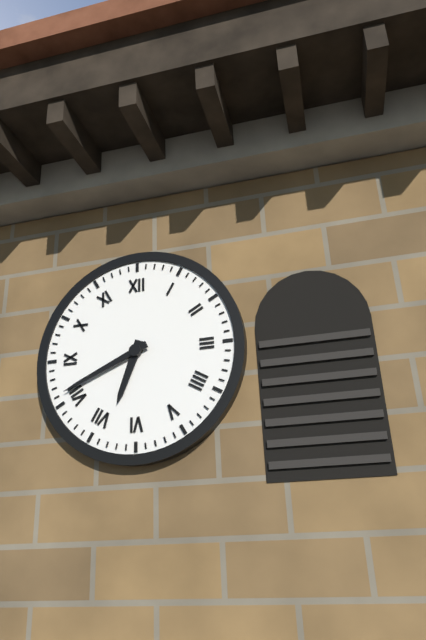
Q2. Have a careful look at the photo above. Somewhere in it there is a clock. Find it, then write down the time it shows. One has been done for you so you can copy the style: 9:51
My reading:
6:41
